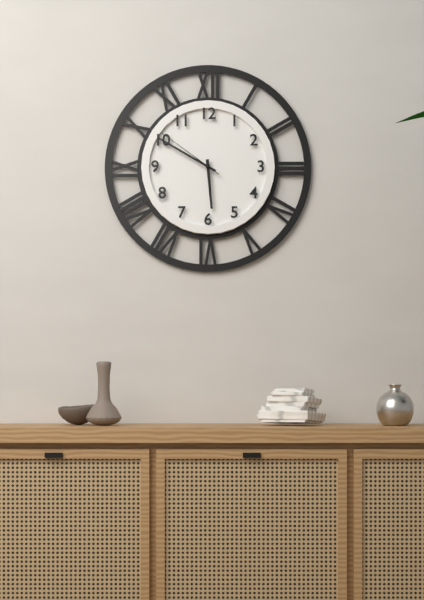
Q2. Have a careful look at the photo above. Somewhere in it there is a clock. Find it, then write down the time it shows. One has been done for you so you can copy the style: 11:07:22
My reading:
5:50:51
